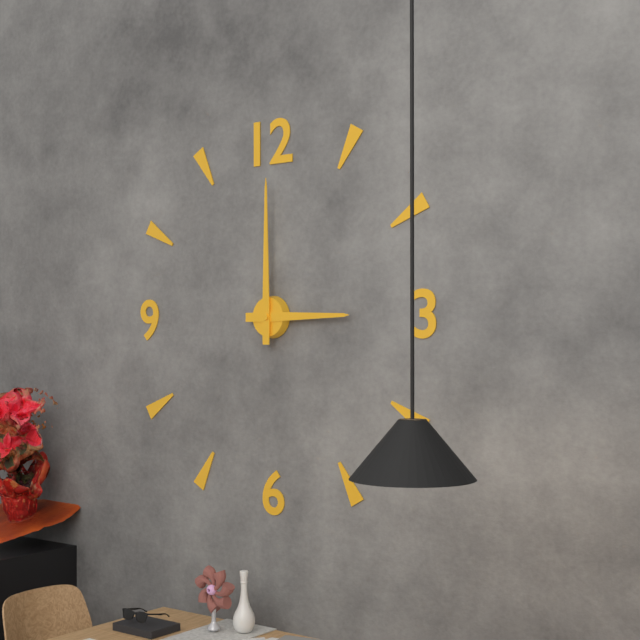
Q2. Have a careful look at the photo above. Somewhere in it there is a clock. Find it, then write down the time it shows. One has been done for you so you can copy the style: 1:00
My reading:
3:00
